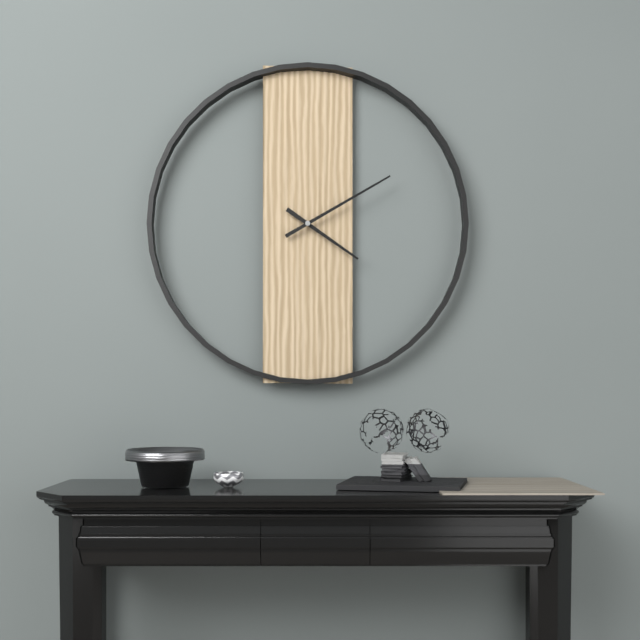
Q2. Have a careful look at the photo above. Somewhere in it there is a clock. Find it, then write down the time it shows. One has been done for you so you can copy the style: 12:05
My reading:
4:10
